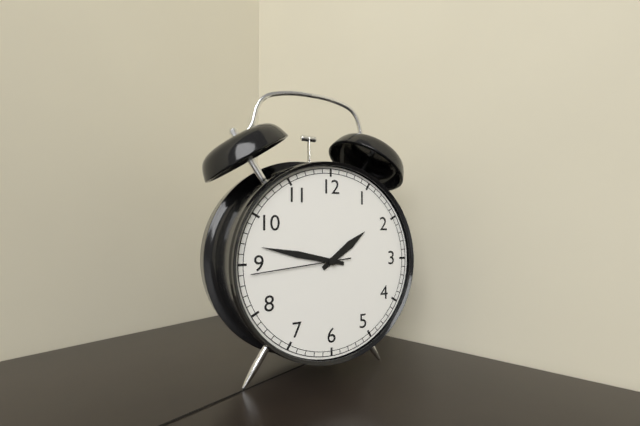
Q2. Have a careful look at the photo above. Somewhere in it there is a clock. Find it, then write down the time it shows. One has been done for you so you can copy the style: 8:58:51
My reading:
1:47:44
